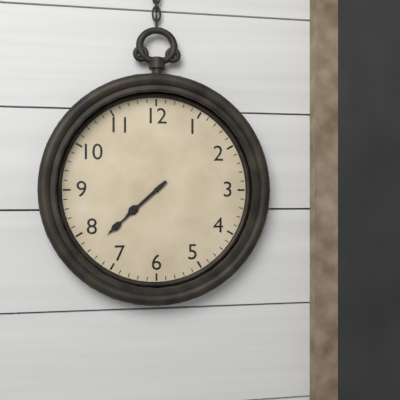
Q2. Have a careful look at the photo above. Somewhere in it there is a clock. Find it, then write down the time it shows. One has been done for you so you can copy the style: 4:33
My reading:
7:38
